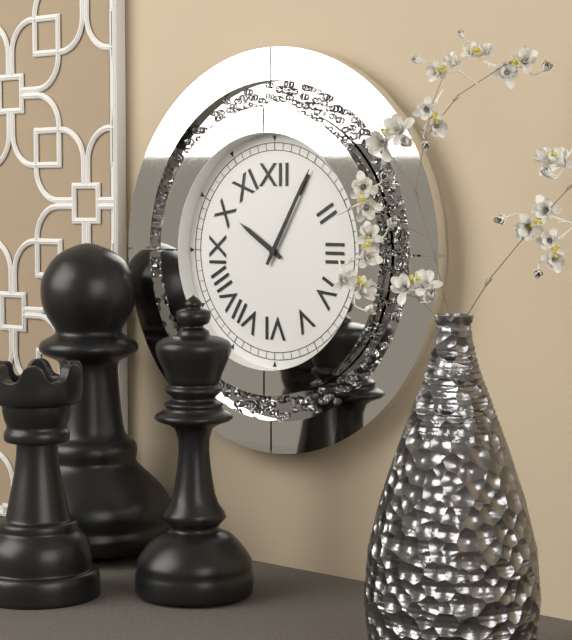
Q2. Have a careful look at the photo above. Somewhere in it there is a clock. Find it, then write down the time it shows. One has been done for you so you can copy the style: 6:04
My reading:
10:05
